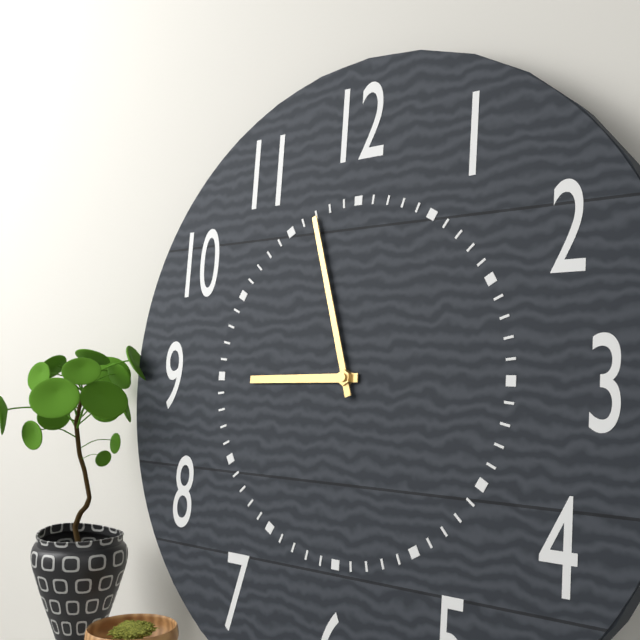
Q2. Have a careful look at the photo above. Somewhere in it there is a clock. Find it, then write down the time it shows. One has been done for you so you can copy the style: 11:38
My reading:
8:57
